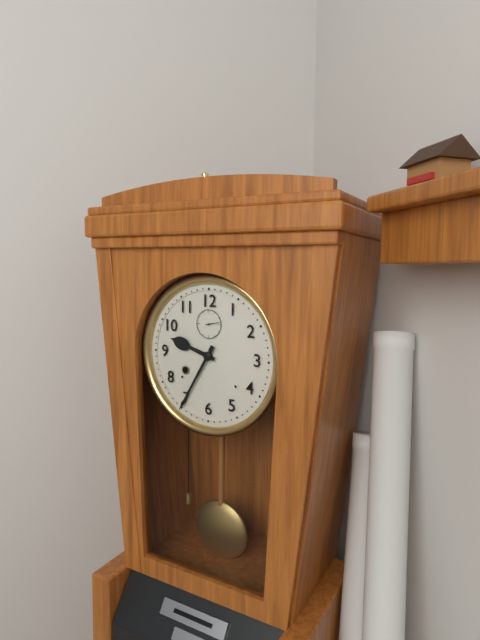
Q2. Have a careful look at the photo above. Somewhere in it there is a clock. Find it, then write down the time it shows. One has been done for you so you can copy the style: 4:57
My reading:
9:35
